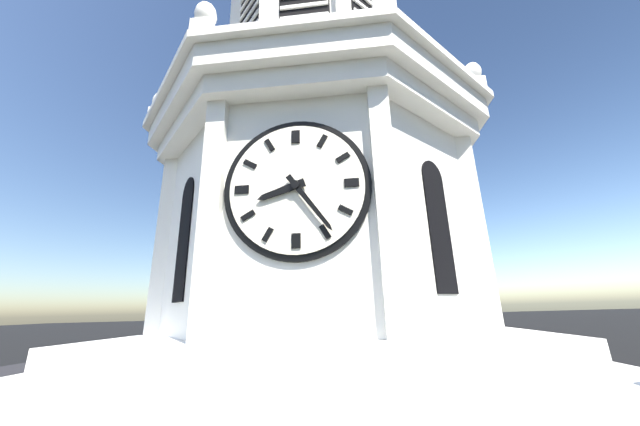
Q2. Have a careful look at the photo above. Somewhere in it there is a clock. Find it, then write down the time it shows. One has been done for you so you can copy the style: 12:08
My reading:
8:24
